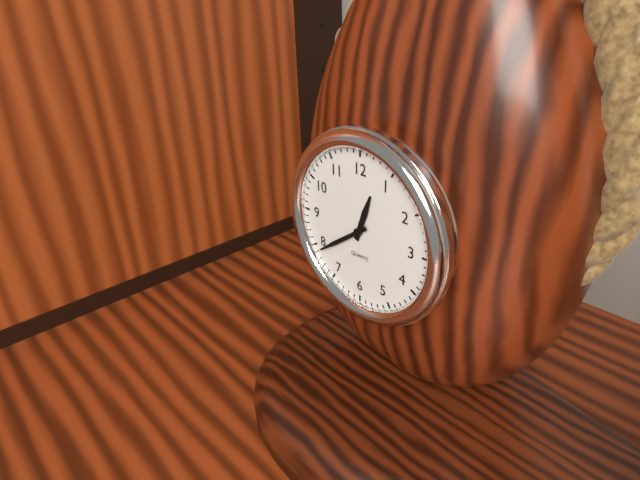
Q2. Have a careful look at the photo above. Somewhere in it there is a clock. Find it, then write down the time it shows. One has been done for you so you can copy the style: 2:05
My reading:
12:39
